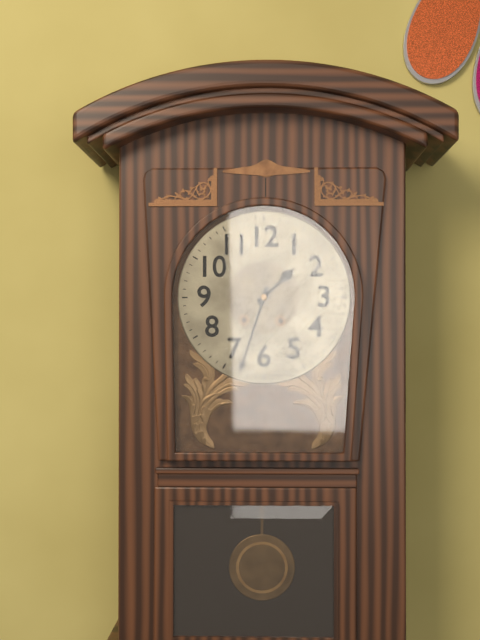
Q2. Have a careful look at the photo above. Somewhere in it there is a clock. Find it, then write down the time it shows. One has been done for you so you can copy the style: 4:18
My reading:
1:33
